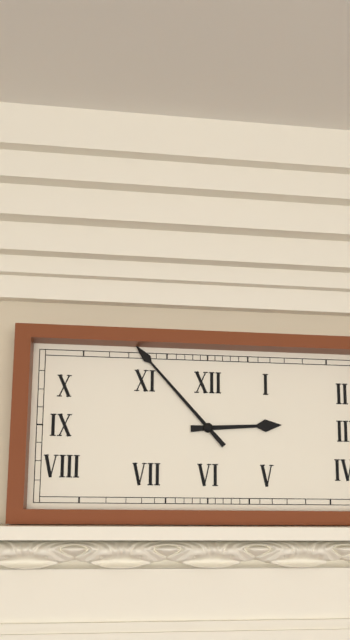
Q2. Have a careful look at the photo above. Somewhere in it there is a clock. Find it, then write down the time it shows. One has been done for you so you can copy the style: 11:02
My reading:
2:53
